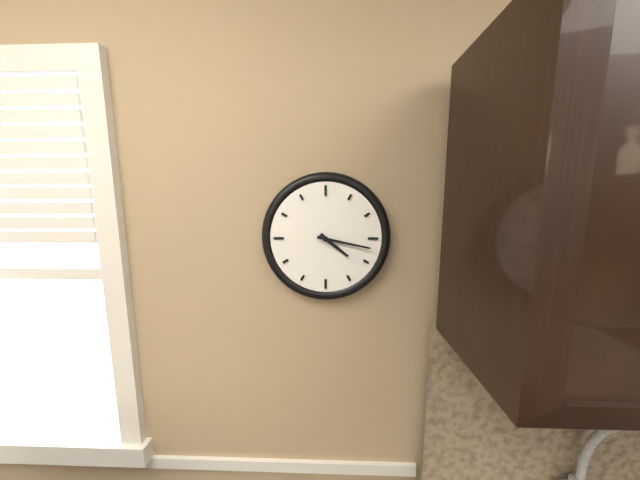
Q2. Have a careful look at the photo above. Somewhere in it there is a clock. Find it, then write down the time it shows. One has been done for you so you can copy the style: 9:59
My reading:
4:17
